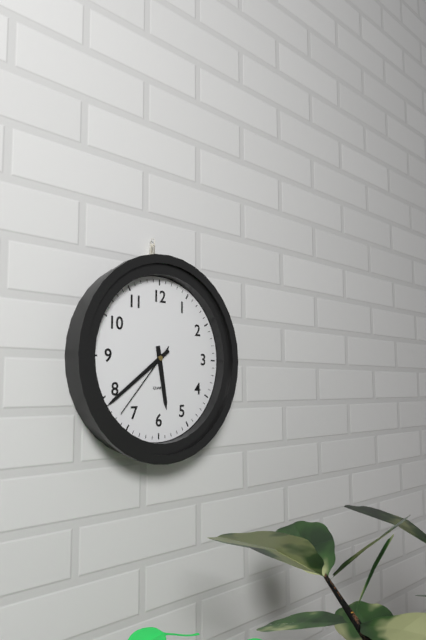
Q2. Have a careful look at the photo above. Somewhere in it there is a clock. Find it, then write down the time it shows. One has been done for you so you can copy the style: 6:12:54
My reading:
5:39:37
